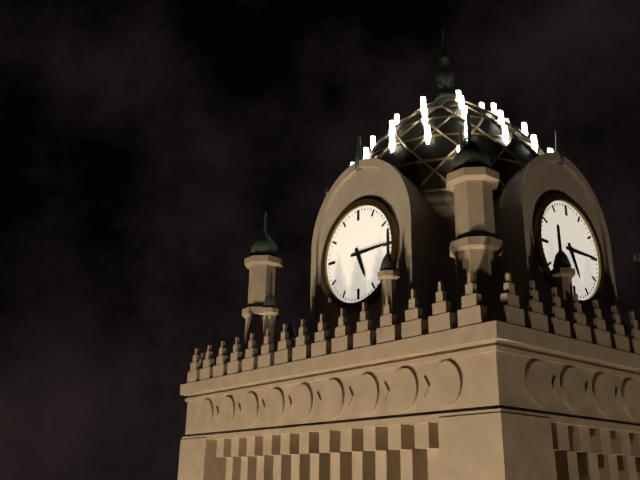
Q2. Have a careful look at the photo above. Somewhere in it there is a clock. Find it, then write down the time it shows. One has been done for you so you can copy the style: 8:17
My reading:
5:15
